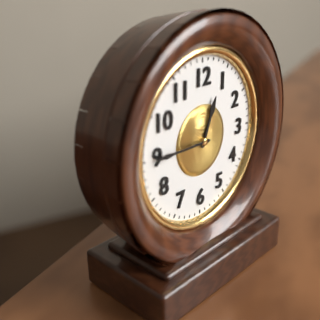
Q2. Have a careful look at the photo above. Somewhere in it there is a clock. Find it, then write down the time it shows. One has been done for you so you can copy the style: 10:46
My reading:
12:45
